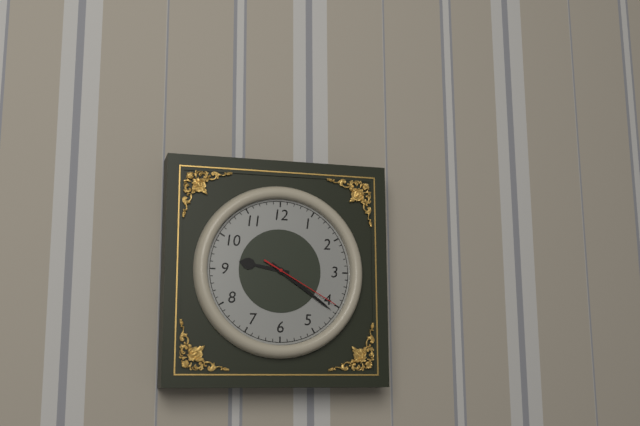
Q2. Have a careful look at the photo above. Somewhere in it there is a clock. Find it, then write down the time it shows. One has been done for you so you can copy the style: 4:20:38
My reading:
9:21:20
